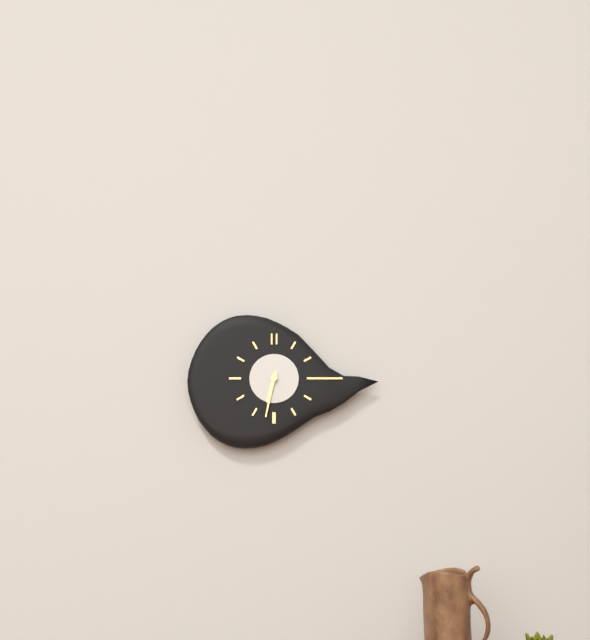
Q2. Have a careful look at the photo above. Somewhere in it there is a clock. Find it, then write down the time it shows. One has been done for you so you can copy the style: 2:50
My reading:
6:32
